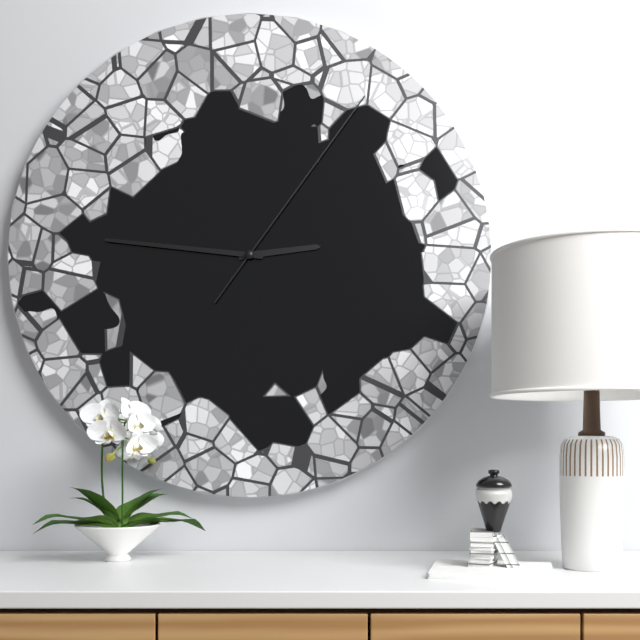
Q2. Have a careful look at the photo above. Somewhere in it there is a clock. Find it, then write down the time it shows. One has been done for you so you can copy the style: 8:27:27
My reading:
2:46:06
